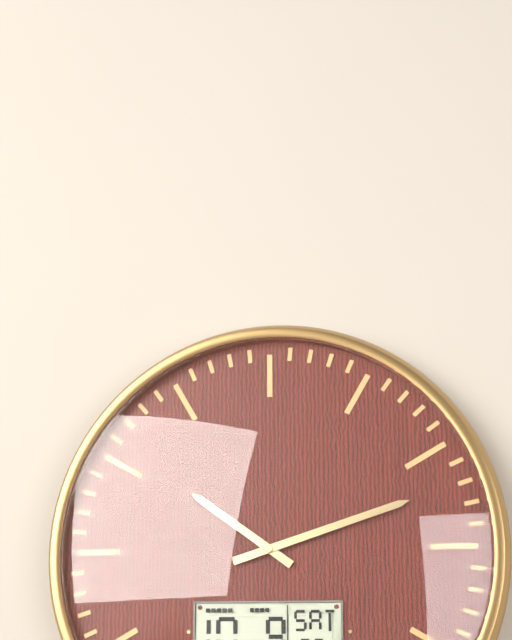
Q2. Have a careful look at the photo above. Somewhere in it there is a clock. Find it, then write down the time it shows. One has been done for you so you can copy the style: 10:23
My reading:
10:12
